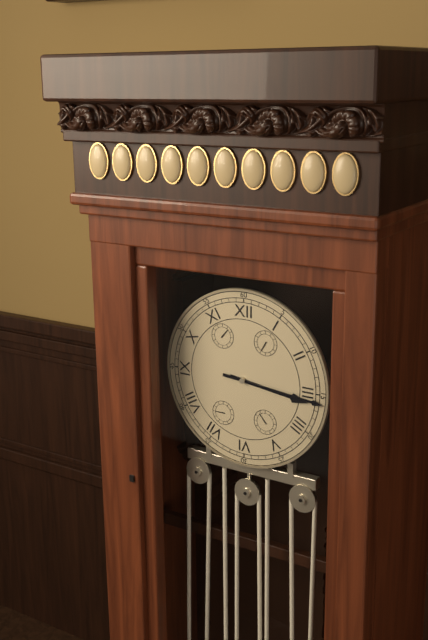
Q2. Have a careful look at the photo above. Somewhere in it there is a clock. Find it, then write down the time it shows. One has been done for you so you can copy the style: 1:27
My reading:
3:16
